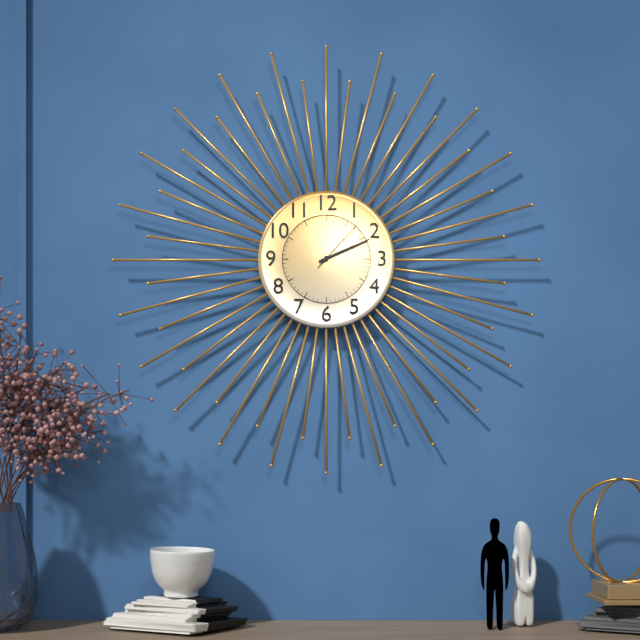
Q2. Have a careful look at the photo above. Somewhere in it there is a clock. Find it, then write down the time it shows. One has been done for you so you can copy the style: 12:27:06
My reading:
2:11:07
